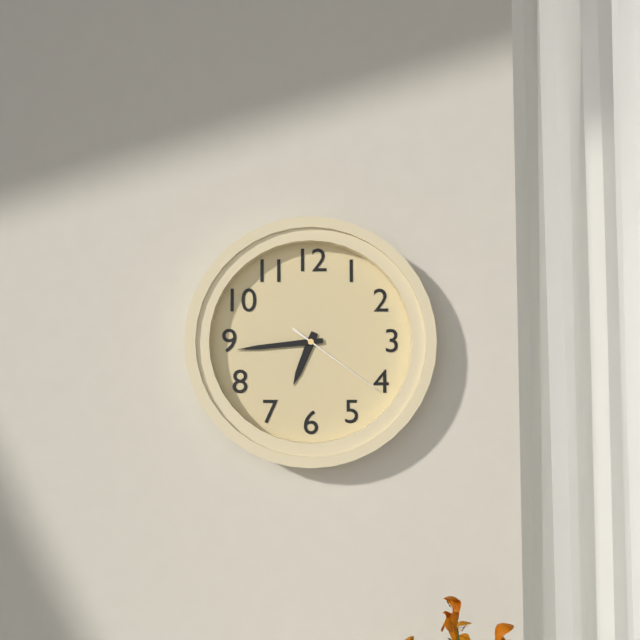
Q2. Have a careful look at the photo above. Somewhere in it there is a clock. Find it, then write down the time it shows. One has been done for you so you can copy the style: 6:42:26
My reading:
6:44:21
